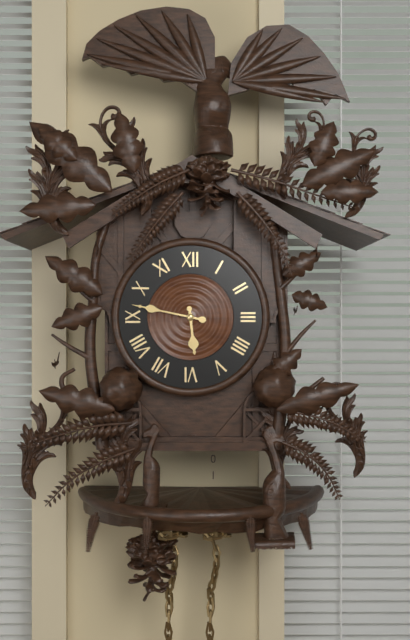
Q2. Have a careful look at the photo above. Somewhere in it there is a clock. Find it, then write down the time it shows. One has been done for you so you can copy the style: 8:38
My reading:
5:47
